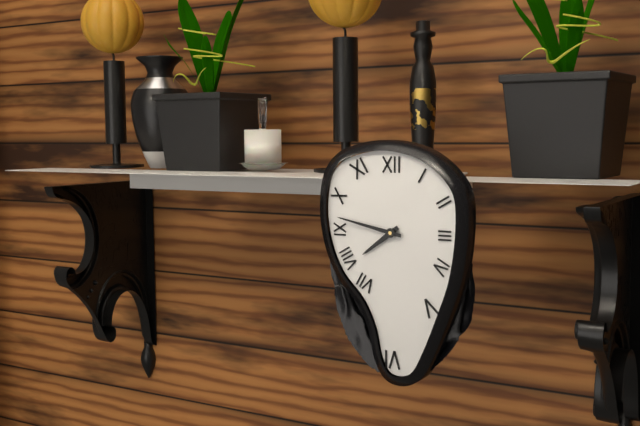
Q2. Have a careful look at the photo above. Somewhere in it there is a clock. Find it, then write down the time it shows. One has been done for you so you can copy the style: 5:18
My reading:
7:47
